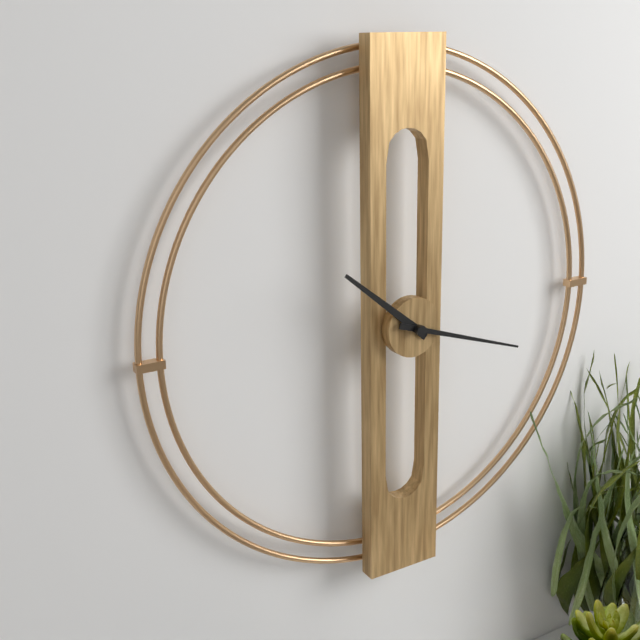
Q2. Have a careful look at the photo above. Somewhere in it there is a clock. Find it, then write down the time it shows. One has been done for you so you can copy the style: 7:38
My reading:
10:18
